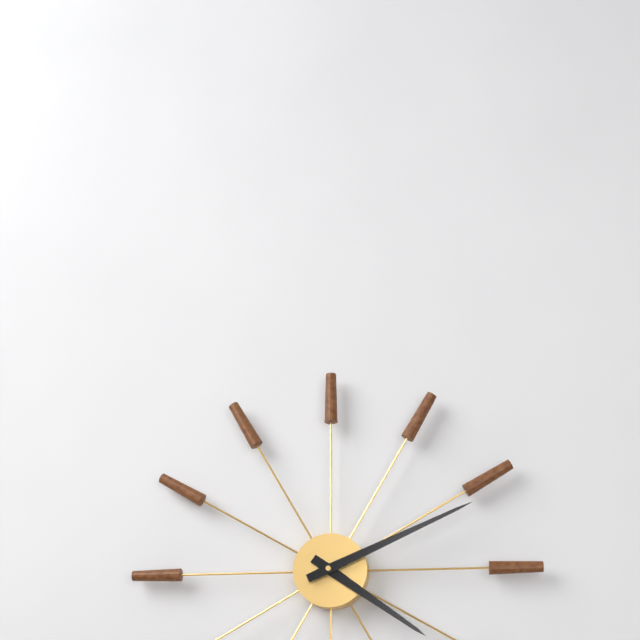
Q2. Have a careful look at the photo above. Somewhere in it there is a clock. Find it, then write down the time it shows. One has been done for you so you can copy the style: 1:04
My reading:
4:11
